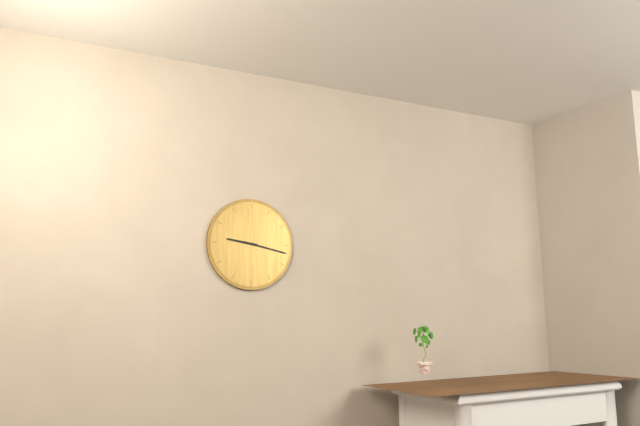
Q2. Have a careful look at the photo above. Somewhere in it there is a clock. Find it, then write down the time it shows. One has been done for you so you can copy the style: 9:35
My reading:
9:17
